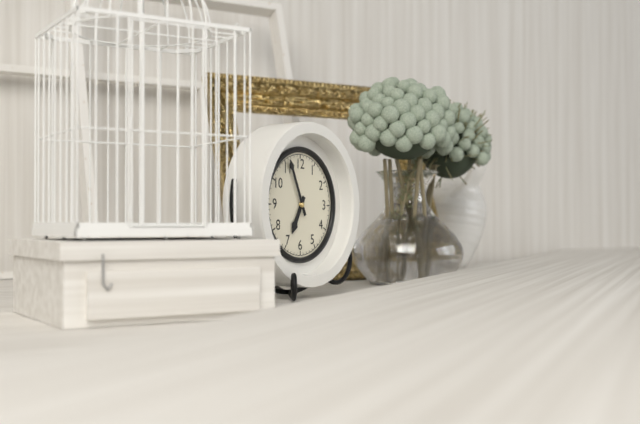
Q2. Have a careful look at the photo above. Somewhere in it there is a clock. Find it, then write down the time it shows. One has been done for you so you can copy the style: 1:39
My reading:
6:56
